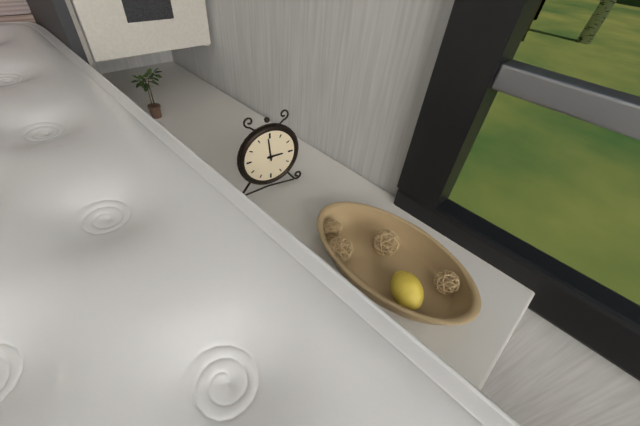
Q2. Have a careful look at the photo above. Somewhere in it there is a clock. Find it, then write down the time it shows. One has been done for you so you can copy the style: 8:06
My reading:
2:59
